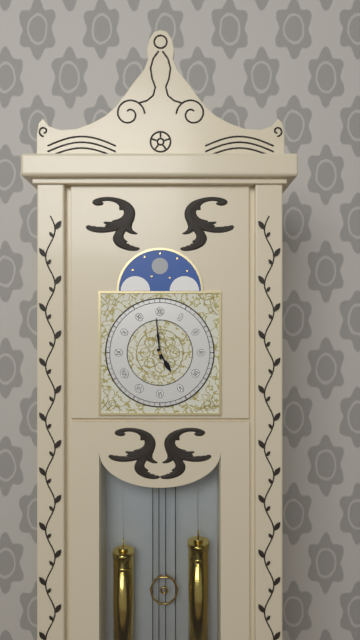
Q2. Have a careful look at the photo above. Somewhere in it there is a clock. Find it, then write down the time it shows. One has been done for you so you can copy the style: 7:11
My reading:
4:59
